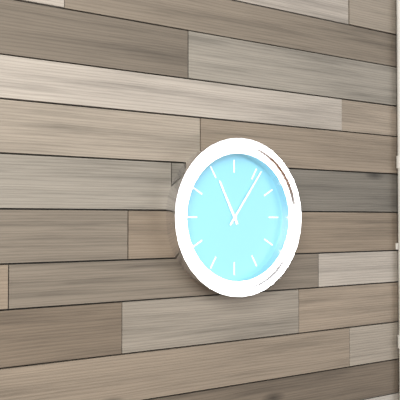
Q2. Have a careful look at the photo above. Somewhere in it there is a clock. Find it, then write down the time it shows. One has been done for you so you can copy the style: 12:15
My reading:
11:06
